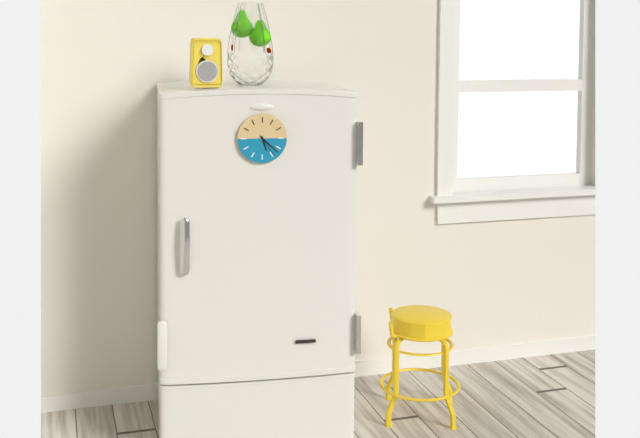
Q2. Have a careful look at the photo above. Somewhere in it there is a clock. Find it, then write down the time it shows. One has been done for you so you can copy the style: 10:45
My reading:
5:22
